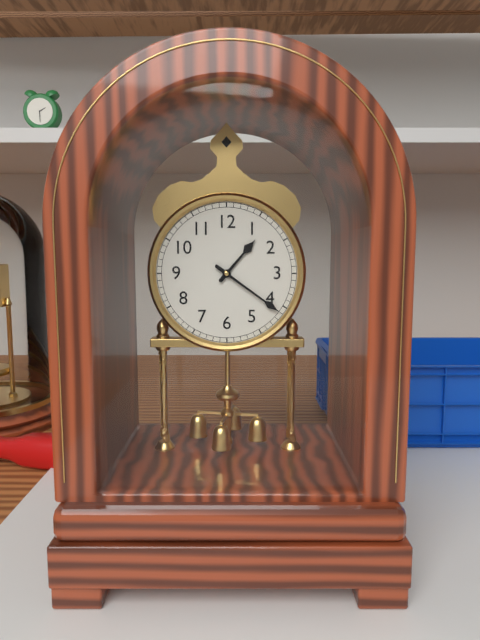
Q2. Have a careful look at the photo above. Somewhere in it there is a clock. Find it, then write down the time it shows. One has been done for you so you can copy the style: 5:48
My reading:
1:21
